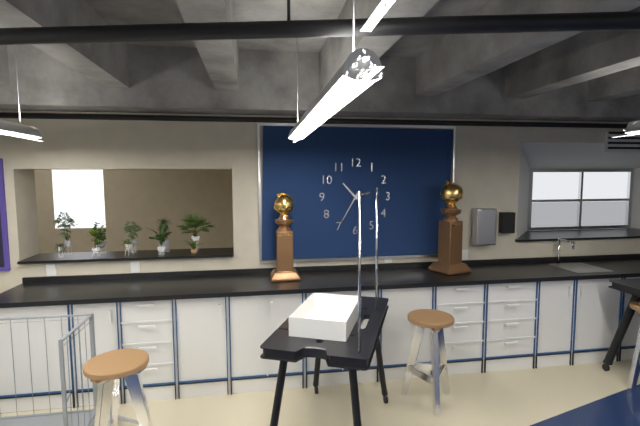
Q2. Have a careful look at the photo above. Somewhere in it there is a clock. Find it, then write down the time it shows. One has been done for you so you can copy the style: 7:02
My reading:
10:35
